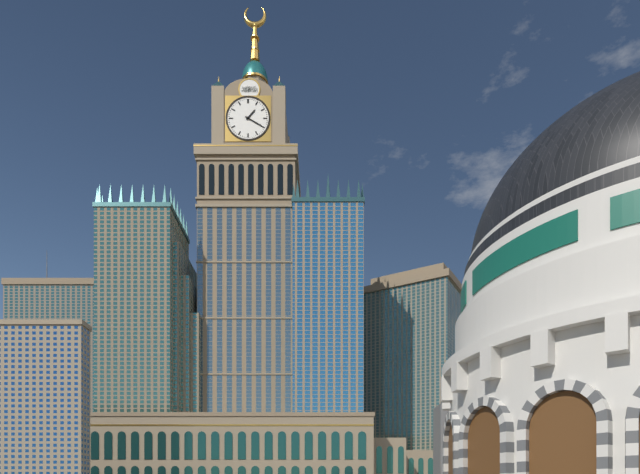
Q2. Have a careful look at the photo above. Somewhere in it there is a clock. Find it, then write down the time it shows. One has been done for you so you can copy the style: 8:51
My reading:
1:20
